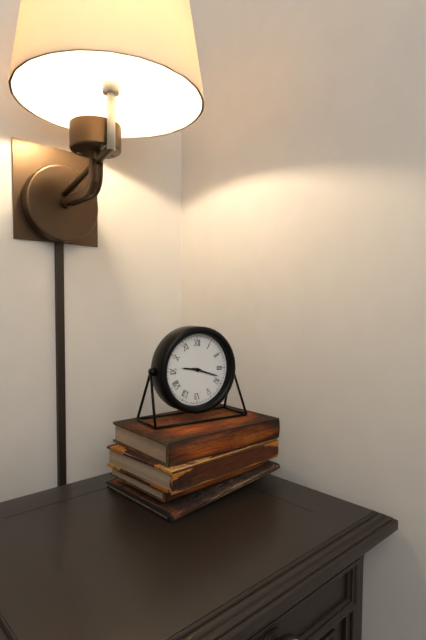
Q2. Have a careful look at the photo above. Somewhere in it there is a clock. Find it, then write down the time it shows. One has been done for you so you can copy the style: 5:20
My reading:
9:18
